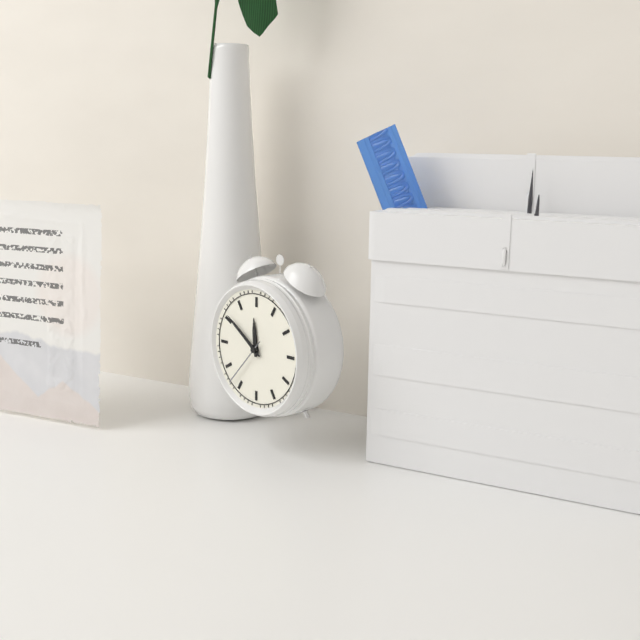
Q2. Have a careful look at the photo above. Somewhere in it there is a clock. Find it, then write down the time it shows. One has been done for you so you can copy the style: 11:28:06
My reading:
11:51:37
